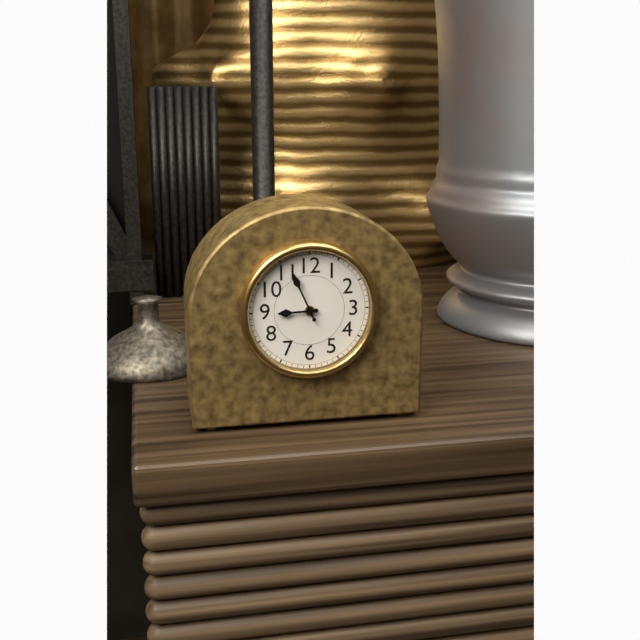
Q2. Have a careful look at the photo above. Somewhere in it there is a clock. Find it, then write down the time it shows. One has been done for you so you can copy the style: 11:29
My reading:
8:56
